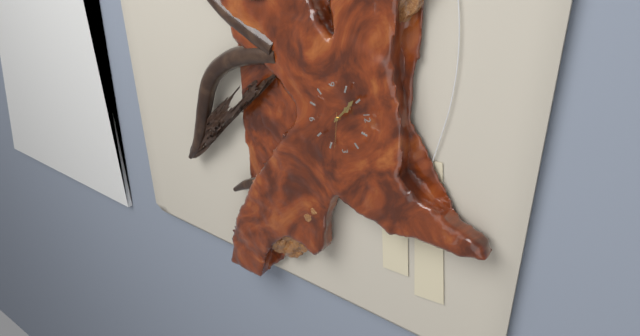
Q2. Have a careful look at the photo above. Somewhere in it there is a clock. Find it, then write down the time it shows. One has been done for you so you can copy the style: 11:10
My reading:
10:54
